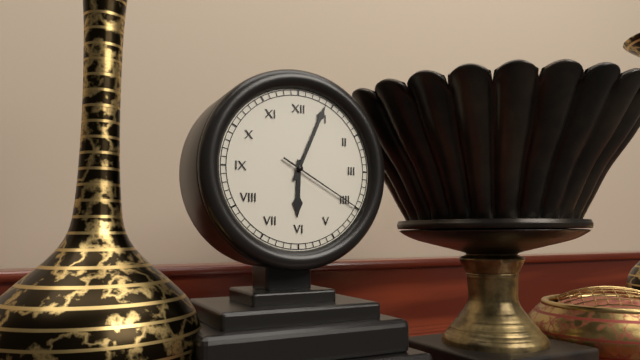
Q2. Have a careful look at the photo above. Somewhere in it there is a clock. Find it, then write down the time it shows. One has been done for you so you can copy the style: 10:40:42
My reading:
6:04:20
